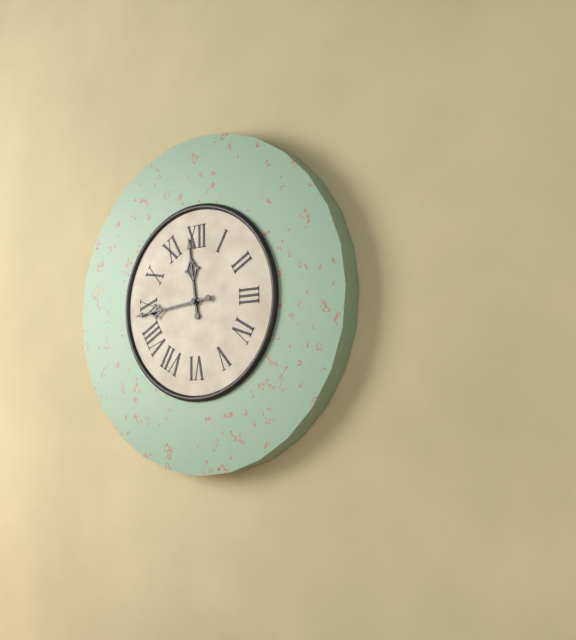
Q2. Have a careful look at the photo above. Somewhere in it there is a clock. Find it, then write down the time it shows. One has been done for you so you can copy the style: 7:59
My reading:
11:44
